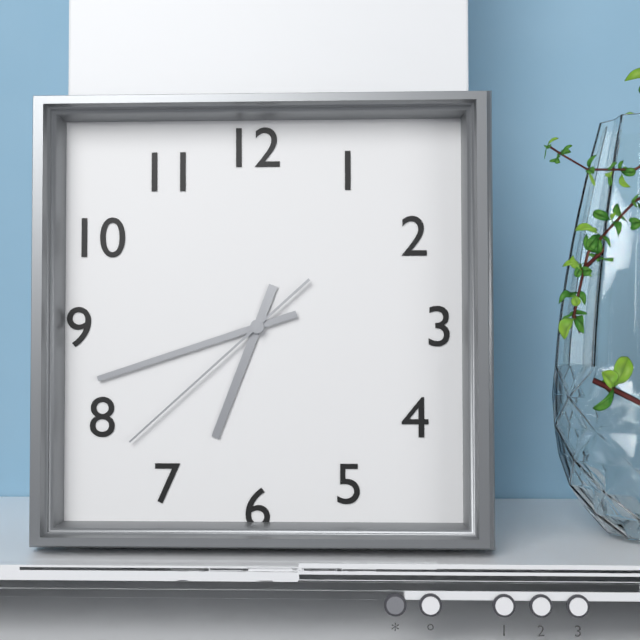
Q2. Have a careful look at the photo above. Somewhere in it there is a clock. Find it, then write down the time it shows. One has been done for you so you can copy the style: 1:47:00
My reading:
6:42:38
